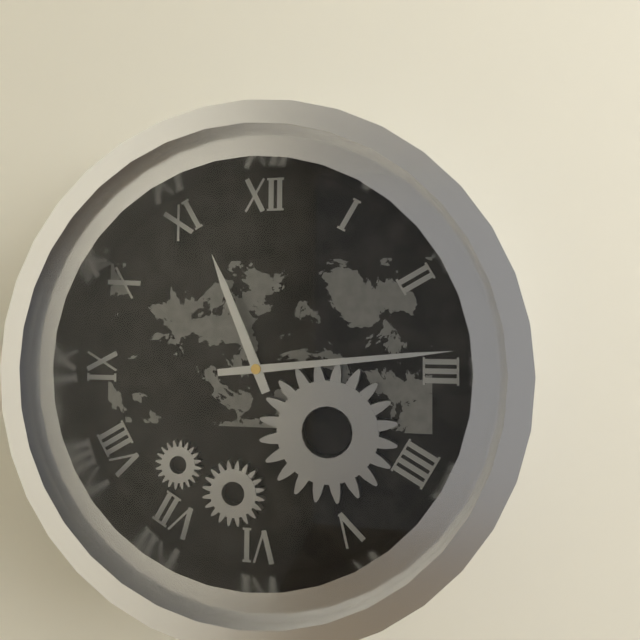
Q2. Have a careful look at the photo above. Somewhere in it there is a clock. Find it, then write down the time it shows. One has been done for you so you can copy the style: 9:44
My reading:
11:14
